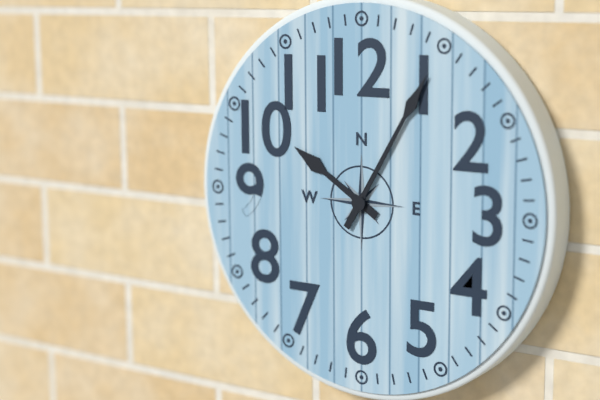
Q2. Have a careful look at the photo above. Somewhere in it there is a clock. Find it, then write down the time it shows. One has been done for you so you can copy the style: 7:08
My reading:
10:05
